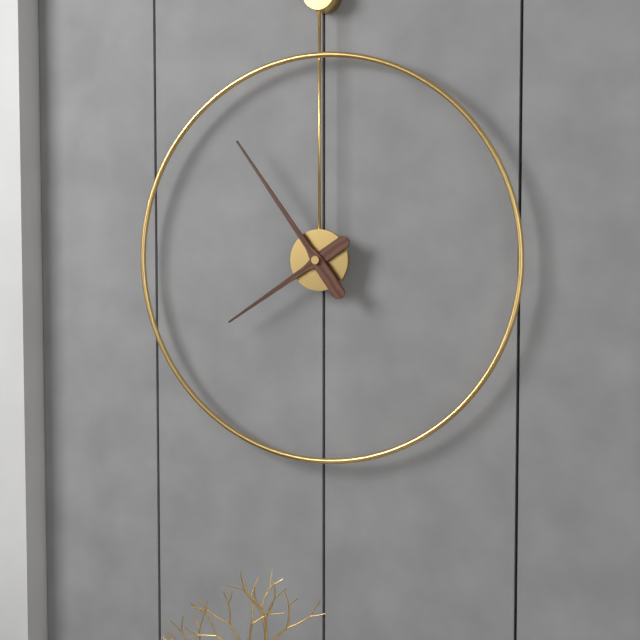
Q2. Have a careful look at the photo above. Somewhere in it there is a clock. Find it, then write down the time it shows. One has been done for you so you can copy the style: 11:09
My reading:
7:54
